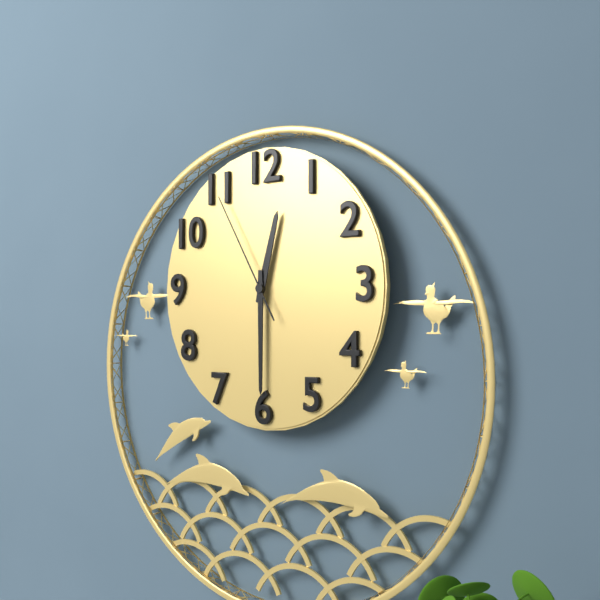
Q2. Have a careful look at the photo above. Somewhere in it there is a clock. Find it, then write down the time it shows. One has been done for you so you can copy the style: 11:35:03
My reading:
12:30:55
